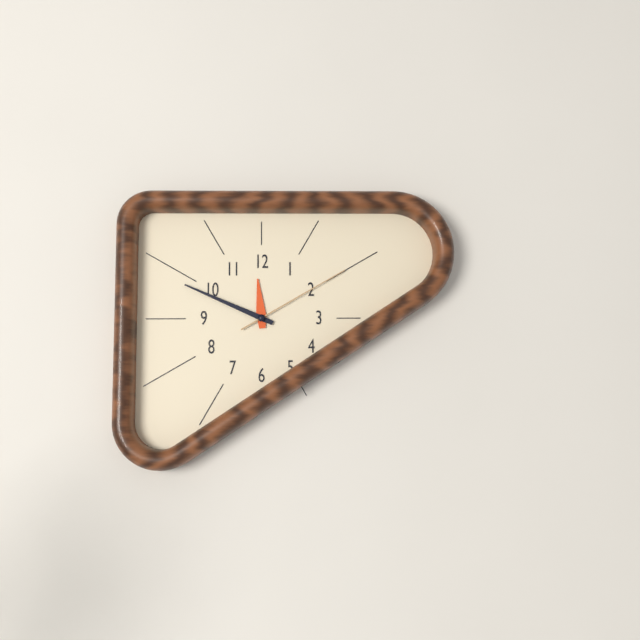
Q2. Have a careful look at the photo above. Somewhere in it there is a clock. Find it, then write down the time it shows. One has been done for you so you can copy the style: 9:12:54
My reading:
11:49:10
